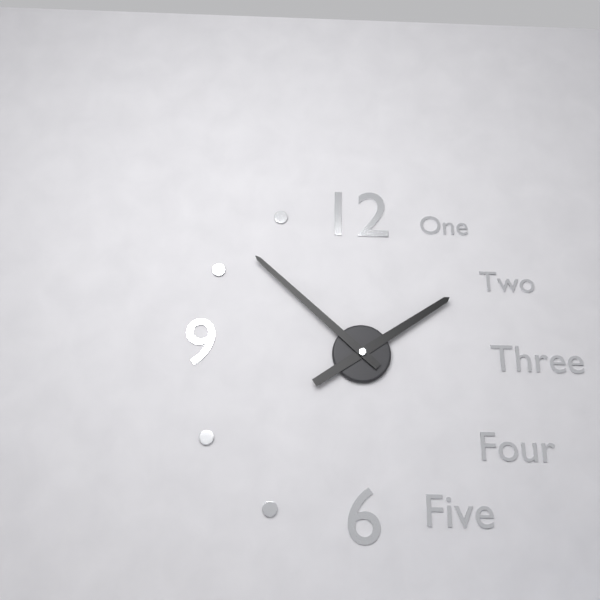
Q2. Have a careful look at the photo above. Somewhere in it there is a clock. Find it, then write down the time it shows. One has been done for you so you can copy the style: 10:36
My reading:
1:52
